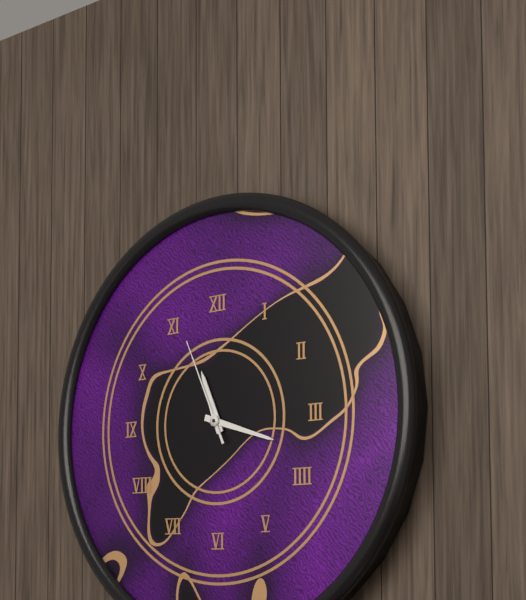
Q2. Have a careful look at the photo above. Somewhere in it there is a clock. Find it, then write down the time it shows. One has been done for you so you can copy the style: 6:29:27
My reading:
11:18:56
